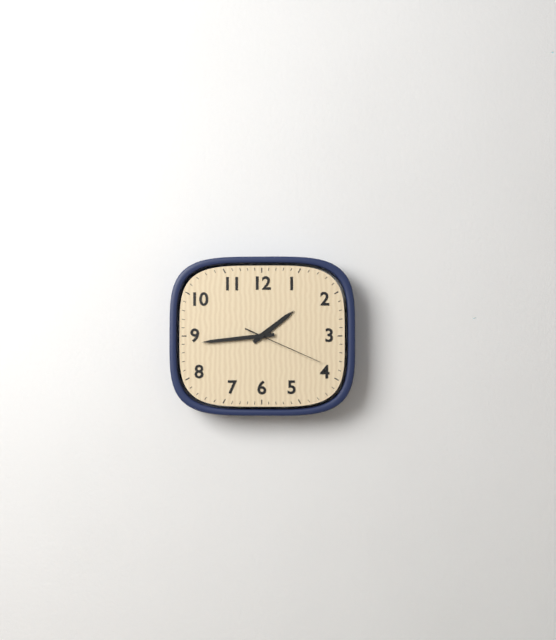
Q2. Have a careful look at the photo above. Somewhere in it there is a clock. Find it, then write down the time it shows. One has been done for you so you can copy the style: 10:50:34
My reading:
1:44:19
